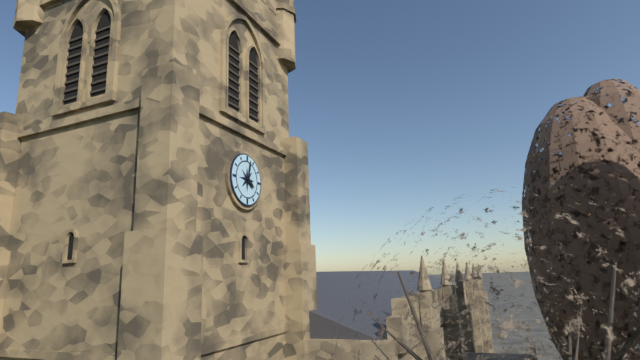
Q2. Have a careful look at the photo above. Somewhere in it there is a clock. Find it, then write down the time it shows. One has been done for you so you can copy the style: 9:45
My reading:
4:02
